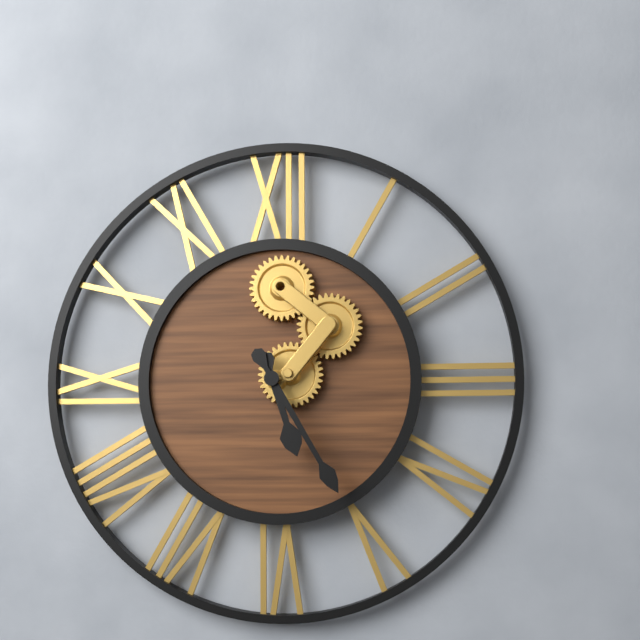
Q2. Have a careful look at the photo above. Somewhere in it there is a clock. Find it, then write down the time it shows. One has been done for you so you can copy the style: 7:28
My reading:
5:25
